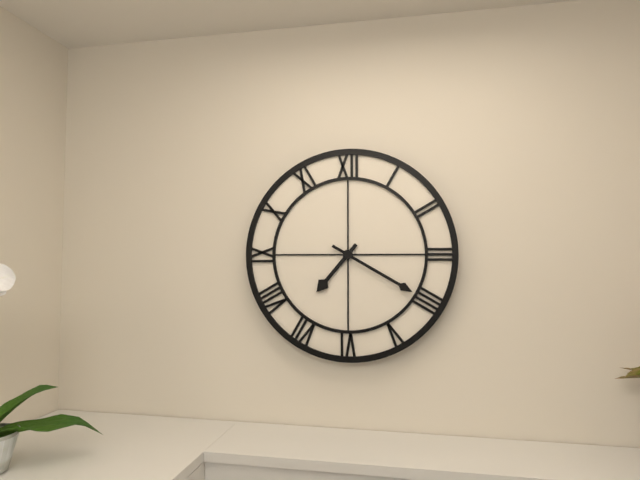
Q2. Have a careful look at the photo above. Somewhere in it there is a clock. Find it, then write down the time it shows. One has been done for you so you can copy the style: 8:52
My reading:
7:20
